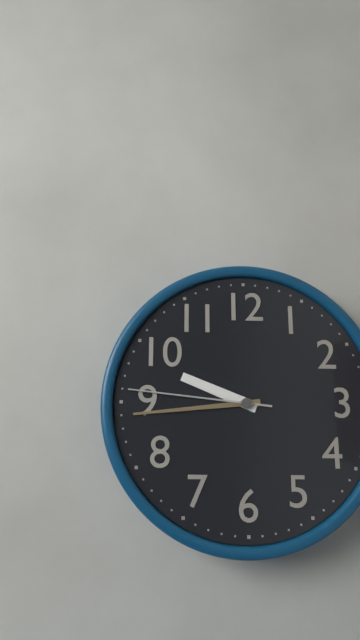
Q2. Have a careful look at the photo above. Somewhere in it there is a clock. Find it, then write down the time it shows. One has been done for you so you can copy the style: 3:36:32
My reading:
9:44:46
